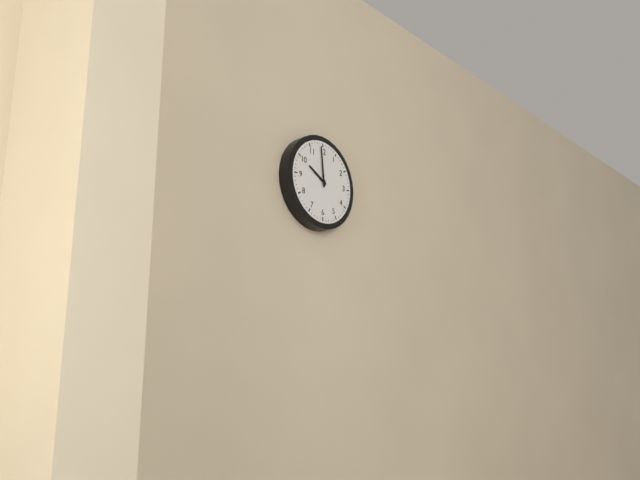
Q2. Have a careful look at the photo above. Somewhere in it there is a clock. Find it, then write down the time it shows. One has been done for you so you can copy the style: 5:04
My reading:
9:59
